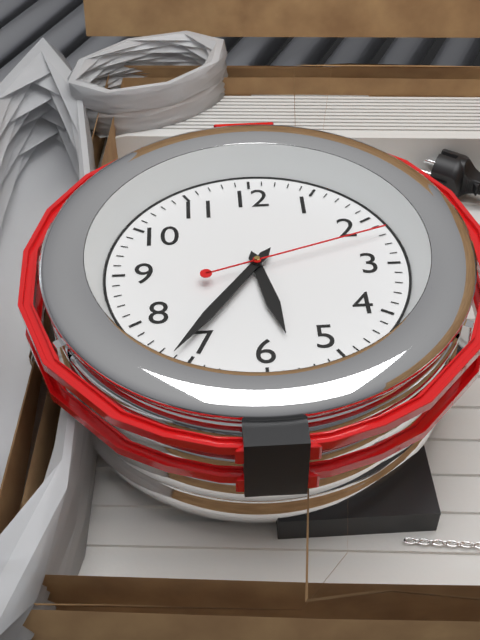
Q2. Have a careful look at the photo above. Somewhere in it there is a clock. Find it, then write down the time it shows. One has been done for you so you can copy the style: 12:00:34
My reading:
5:36:12
